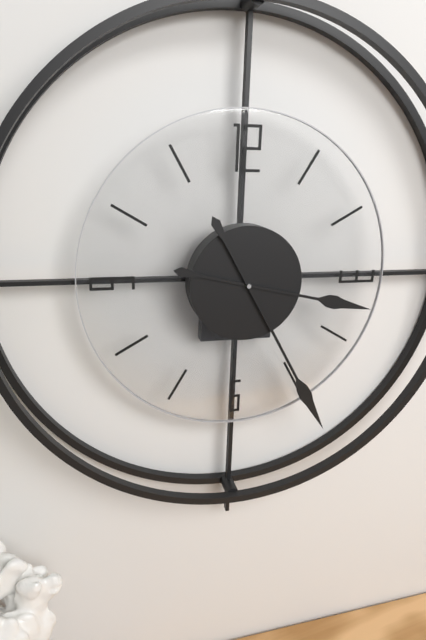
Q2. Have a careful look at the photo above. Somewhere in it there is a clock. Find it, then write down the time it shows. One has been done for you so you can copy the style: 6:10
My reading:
3:25
